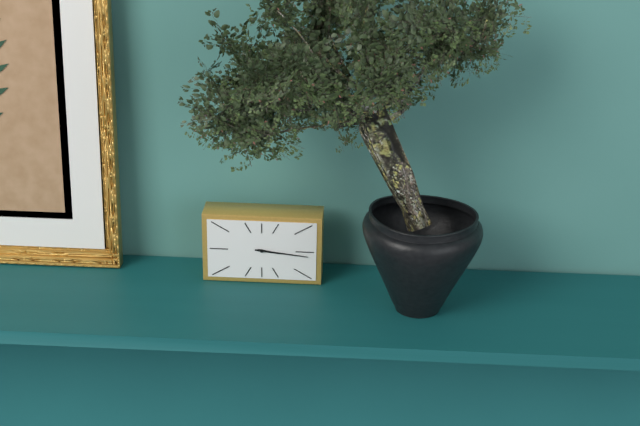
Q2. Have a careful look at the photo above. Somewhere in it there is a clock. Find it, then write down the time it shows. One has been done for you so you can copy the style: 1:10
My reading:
3:16
